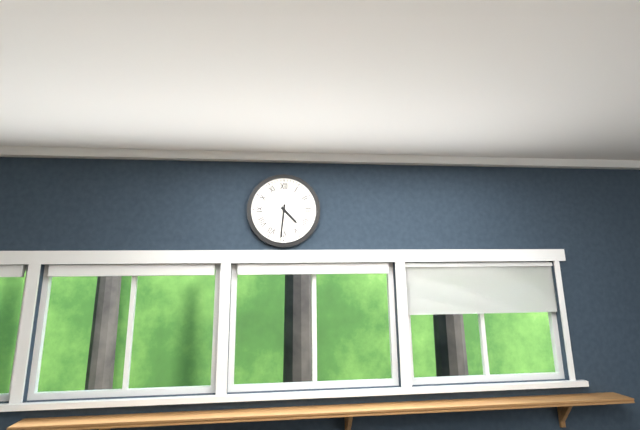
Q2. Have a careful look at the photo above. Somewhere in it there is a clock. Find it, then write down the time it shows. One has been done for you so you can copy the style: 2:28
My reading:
4:31
